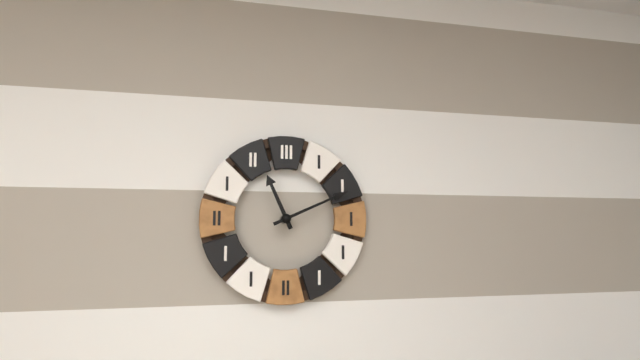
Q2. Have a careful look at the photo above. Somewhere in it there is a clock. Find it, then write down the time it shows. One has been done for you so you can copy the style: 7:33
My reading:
11:11
